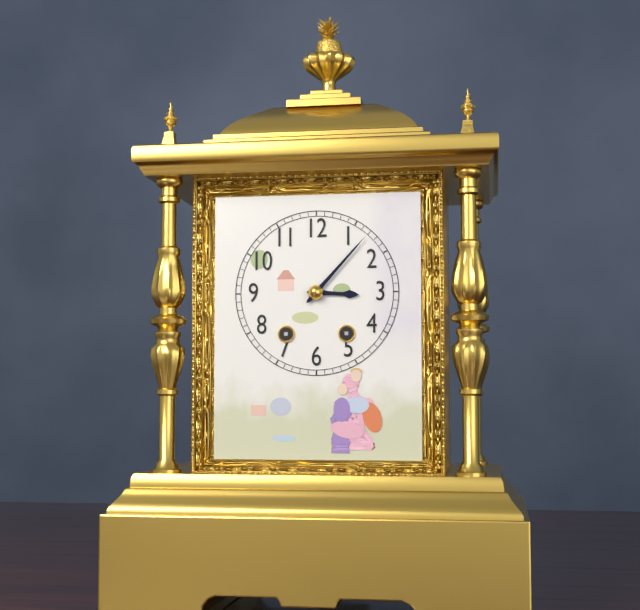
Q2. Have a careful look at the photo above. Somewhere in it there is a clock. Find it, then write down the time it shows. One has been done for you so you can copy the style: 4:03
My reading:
3:07
